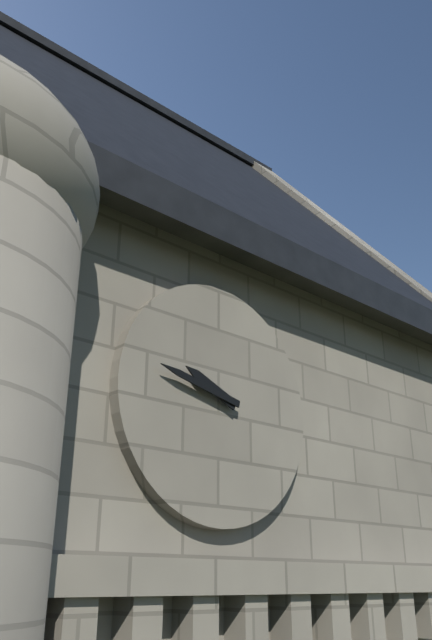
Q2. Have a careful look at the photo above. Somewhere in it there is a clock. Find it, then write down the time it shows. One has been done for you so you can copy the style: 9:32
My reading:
9:47
